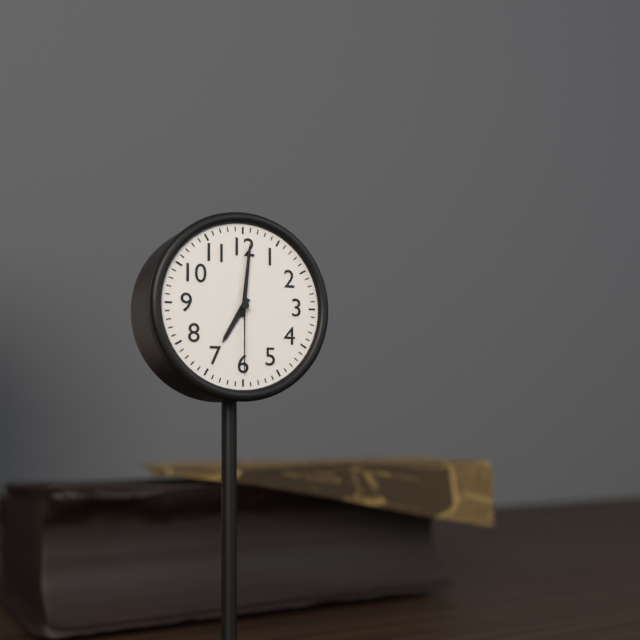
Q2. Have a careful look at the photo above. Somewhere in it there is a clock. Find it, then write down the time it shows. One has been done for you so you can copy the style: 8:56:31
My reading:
7:01:30
